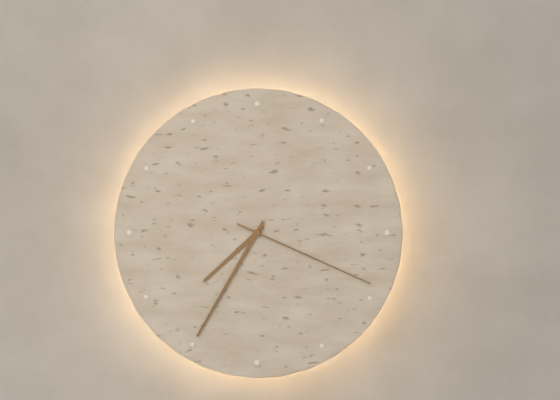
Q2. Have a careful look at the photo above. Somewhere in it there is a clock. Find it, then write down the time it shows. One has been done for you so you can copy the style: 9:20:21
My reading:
7:35:19
